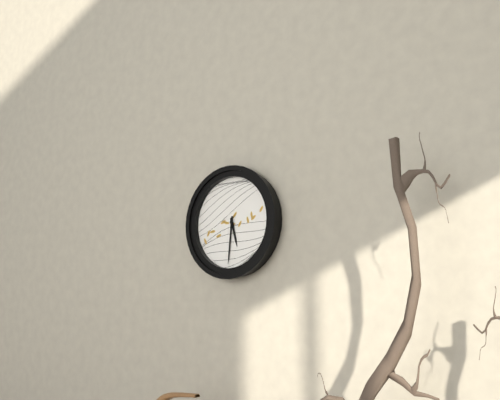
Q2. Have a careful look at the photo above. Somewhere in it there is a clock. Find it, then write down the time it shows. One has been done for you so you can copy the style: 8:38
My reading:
5:31
